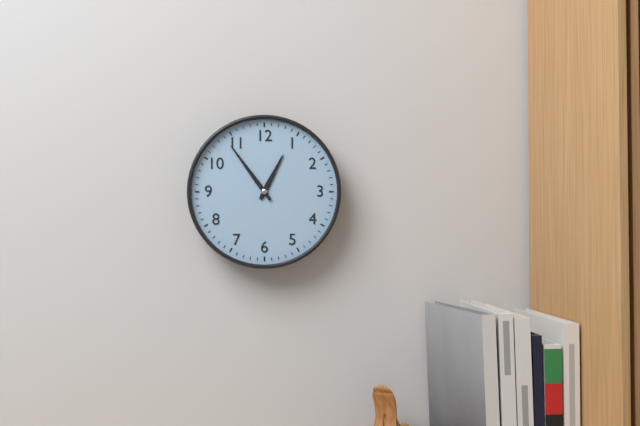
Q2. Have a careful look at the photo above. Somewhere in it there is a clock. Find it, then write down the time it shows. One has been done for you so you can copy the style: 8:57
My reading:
12:54
